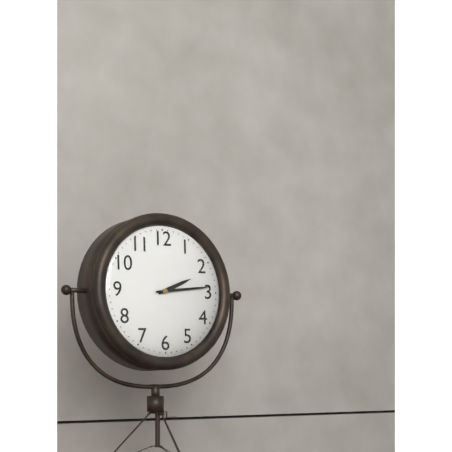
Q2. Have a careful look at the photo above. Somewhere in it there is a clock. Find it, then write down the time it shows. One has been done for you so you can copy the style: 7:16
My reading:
2:14
